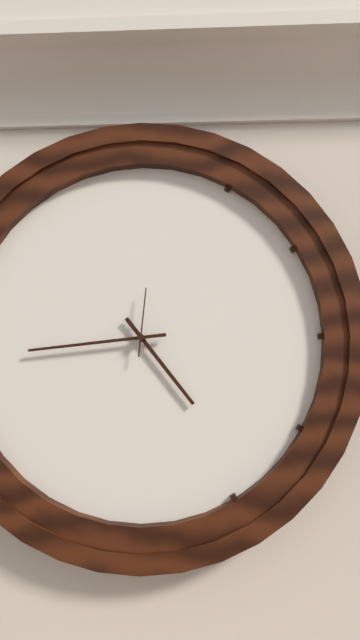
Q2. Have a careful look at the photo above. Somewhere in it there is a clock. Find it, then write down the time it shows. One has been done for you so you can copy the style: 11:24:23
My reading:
4:44:01
